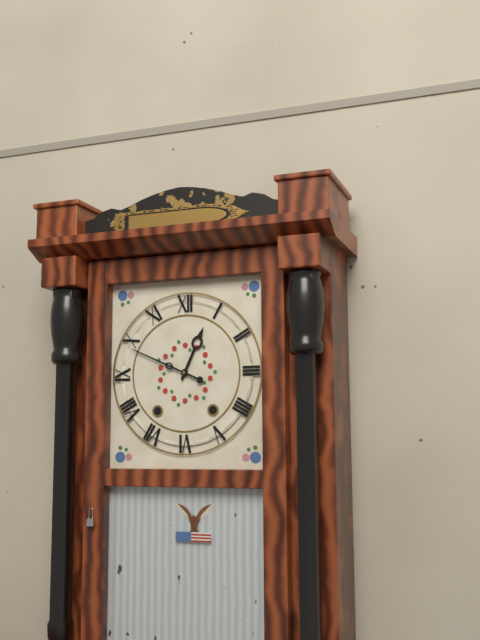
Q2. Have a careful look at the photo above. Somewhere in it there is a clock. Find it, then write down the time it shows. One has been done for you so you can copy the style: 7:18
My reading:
12:49
